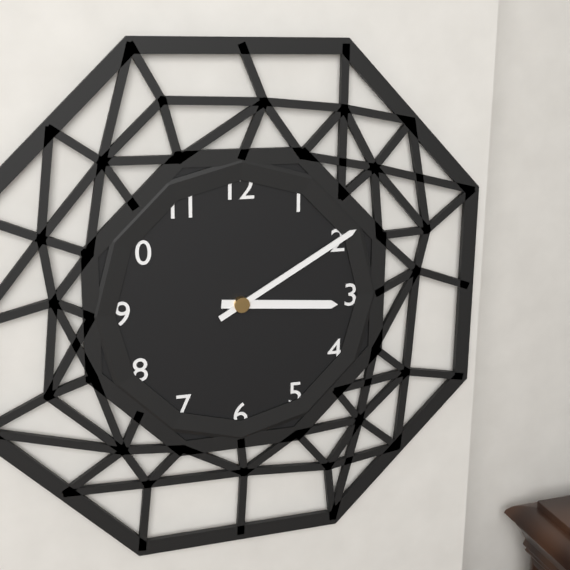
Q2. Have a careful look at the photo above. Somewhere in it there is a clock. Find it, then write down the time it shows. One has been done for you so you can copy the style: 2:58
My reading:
3:10
